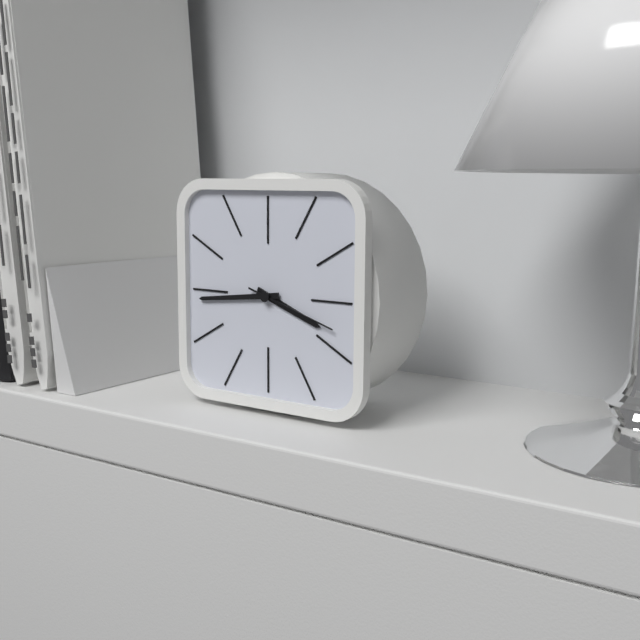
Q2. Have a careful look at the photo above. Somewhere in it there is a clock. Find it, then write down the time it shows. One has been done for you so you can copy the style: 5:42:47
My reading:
3:44:18
